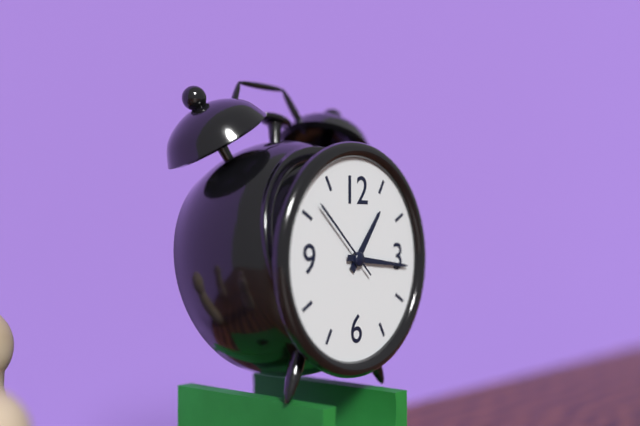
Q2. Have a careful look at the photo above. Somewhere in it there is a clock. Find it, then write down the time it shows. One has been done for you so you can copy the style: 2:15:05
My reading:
1:16:52
